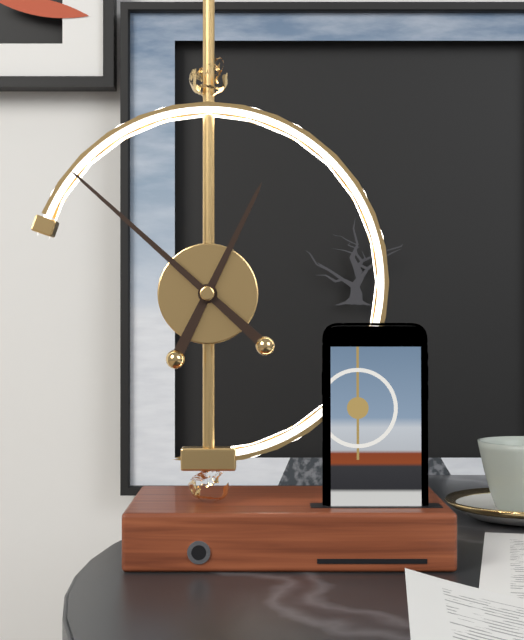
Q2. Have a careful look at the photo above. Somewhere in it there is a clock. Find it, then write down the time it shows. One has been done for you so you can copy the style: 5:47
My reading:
12:52
